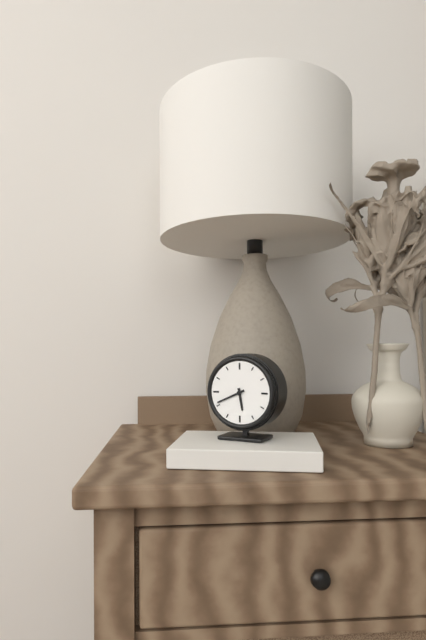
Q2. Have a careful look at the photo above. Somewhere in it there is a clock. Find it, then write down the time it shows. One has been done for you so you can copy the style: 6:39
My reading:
5:41
